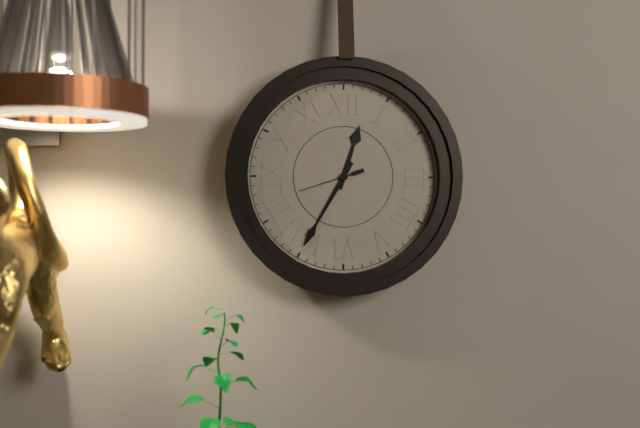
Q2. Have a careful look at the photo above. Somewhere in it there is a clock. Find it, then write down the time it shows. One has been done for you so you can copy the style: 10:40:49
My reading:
12:35:42
